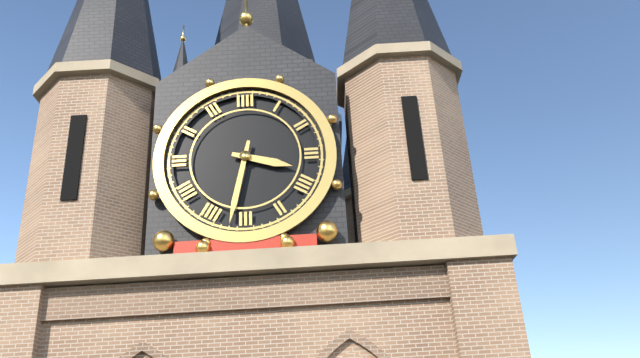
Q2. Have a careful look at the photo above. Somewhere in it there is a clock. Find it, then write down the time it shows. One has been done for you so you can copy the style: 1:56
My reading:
3:32
